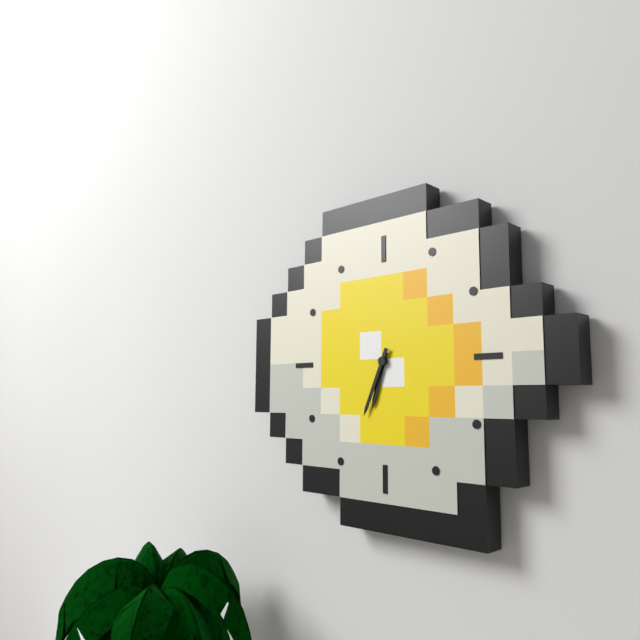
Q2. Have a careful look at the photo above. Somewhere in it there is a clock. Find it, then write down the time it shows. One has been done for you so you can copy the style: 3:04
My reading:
6:34
